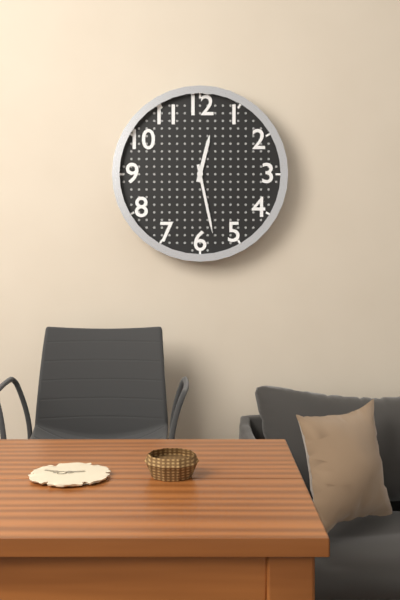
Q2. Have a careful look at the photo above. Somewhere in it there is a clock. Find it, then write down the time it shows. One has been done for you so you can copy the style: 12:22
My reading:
12:28
